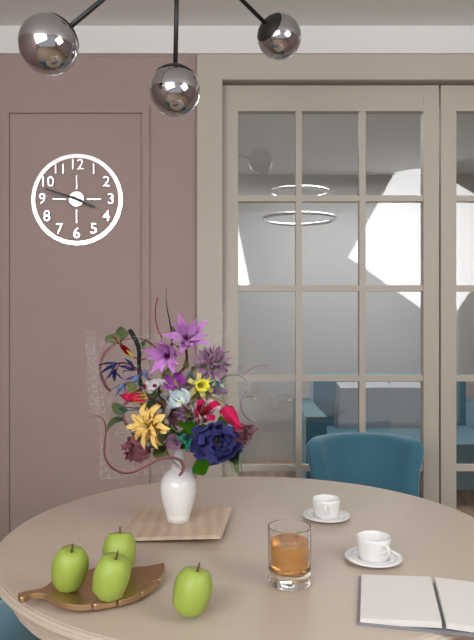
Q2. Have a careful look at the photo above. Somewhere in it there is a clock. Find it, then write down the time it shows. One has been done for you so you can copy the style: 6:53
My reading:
3:48
